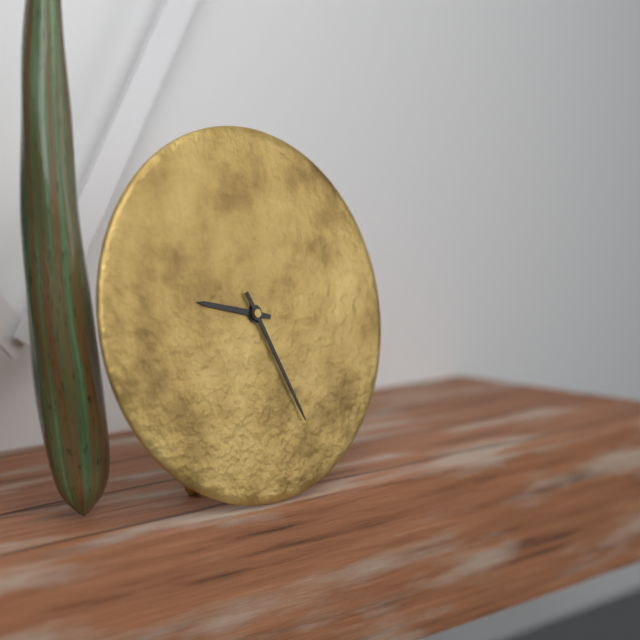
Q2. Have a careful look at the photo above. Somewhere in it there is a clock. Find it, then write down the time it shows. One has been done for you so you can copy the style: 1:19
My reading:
9:26
